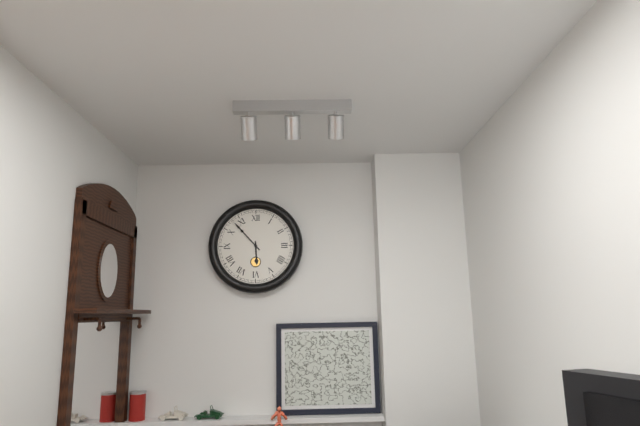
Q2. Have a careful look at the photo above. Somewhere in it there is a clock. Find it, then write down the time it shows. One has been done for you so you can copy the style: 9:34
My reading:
5:53
